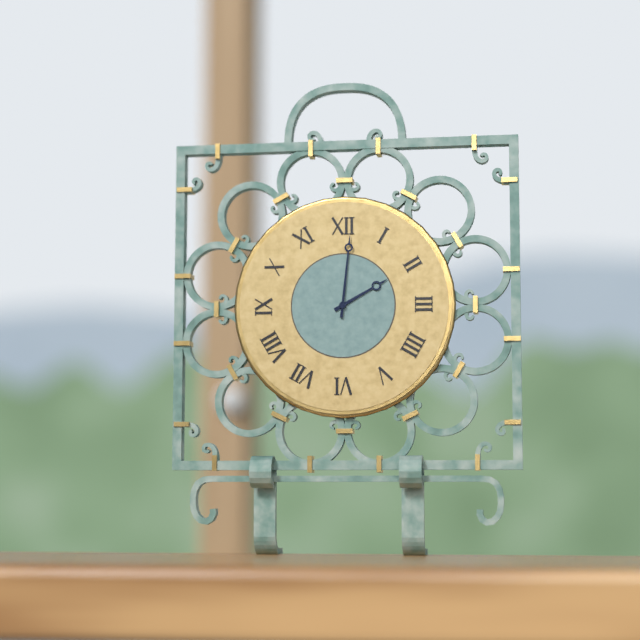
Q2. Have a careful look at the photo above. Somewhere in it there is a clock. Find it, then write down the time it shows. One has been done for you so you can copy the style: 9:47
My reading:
2:01
